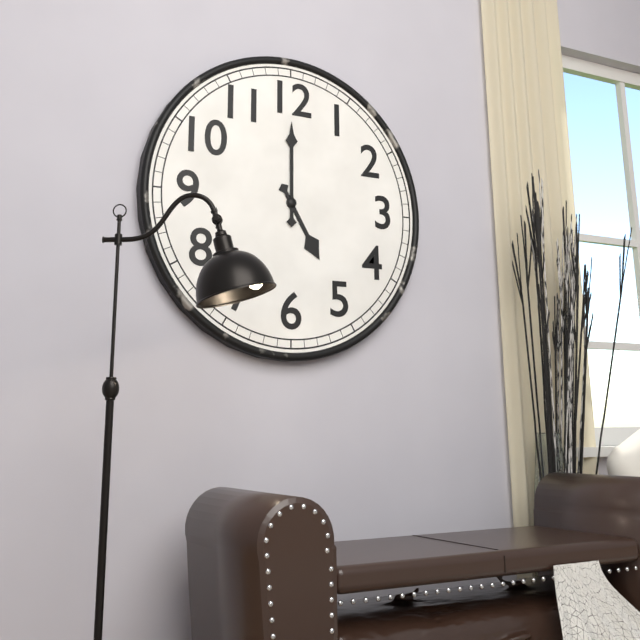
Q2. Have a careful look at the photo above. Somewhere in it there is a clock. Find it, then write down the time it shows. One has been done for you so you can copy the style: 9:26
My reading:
5:00
